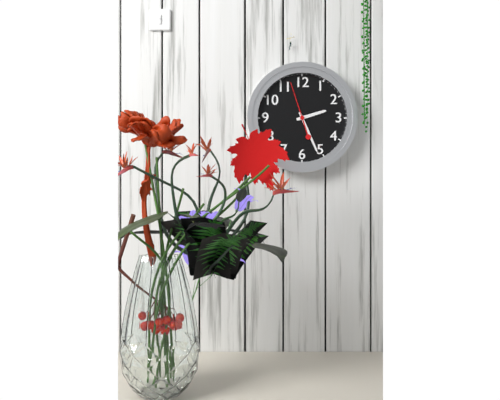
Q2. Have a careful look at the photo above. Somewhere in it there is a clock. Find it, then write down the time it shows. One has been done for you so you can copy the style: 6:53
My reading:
2:26
